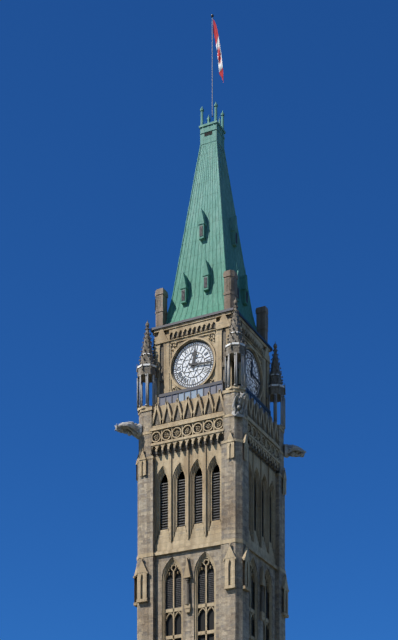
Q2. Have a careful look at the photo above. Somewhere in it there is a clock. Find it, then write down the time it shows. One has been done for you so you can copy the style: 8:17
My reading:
12:16
